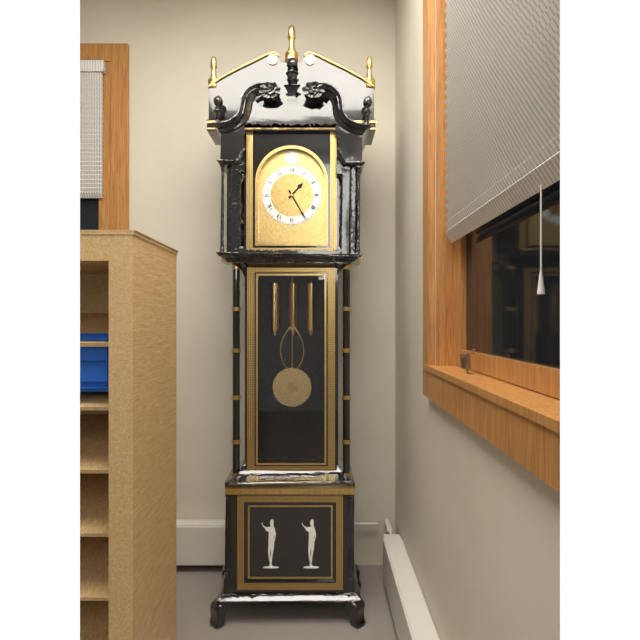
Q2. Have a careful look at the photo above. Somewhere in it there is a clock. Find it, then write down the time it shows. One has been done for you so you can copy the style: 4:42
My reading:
1:25
